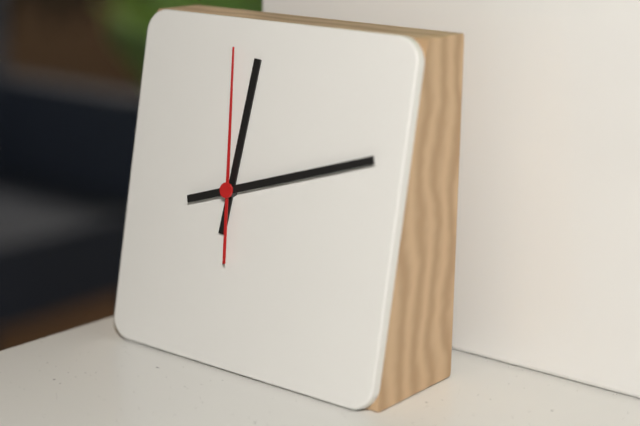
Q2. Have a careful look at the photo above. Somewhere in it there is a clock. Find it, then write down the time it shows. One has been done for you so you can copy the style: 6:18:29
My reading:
12:12:59
